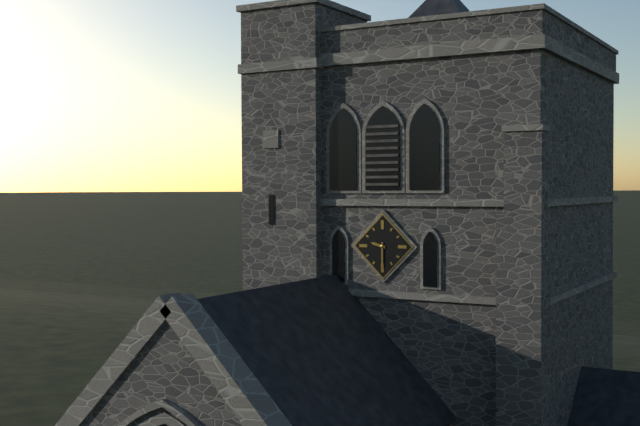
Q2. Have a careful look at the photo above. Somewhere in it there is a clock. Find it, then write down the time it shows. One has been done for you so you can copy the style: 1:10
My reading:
9:30
